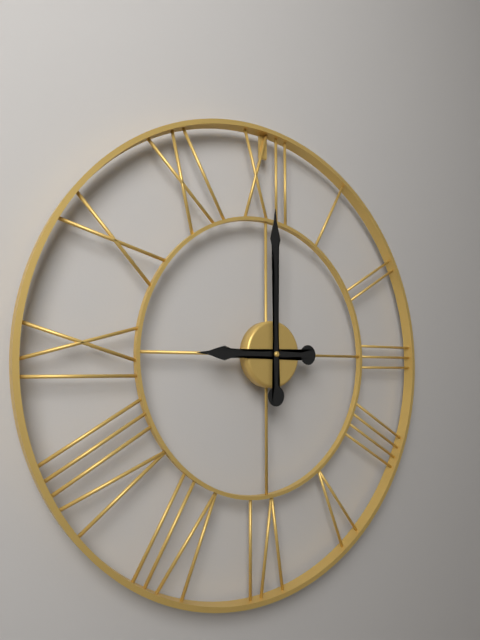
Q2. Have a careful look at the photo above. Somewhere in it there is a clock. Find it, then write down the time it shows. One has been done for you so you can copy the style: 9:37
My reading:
9:00
